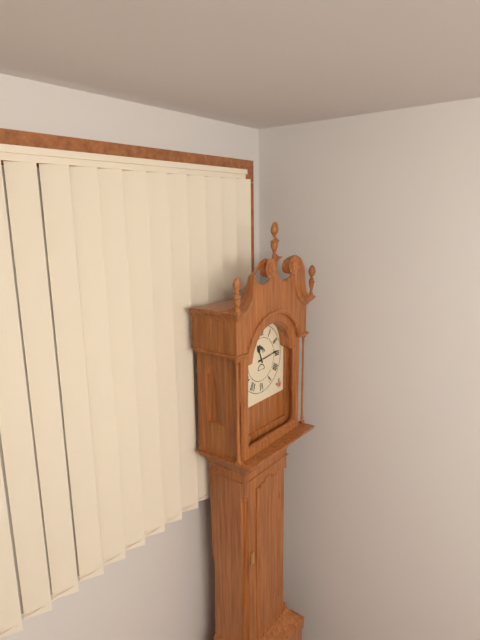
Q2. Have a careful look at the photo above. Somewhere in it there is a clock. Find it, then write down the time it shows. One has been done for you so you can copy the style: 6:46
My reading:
11:14
